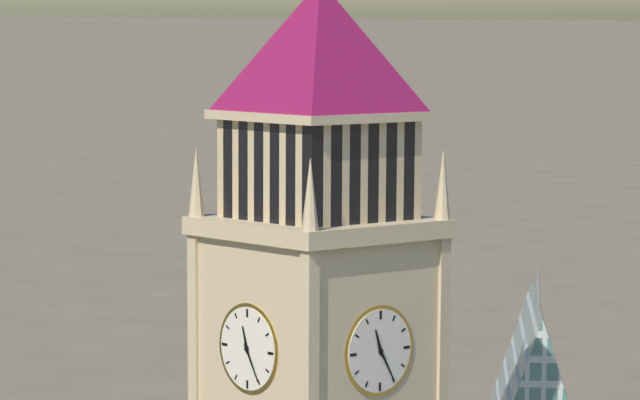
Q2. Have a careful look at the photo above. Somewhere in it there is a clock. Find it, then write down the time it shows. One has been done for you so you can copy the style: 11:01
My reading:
11:25
